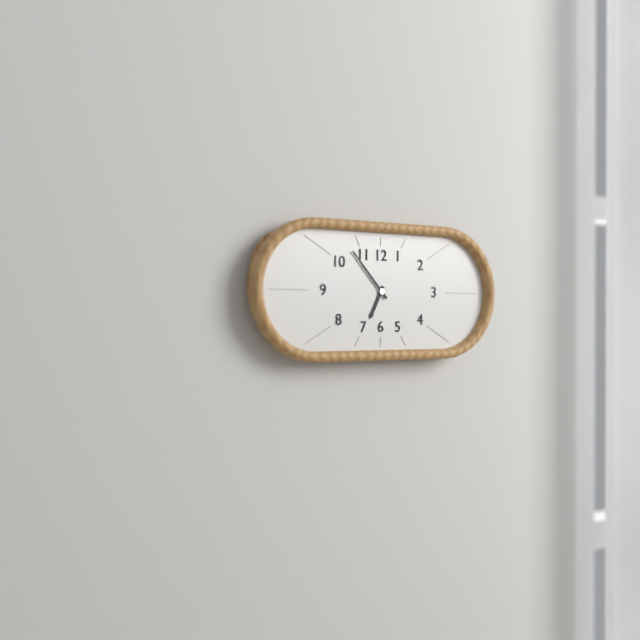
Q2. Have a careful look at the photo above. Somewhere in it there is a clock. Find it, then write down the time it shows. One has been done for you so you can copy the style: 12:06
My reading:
6:53
